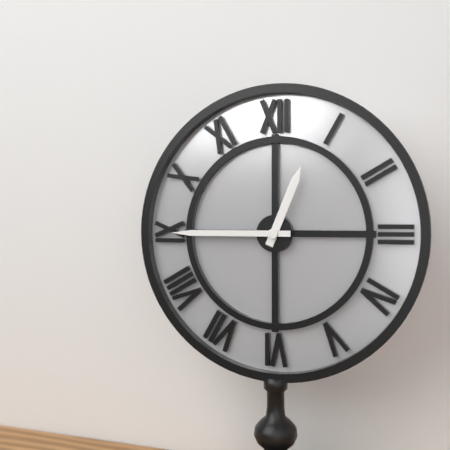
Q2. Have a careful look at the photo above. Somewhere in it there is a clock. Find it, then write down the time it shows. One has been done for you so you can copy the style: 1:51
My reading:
12:45
